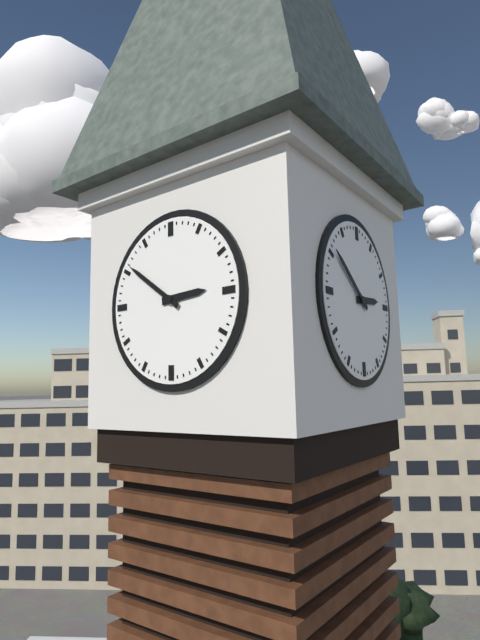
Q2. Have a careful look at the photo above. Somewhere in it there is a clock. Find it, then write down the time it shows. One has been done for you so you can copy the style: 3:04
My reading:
2:51
